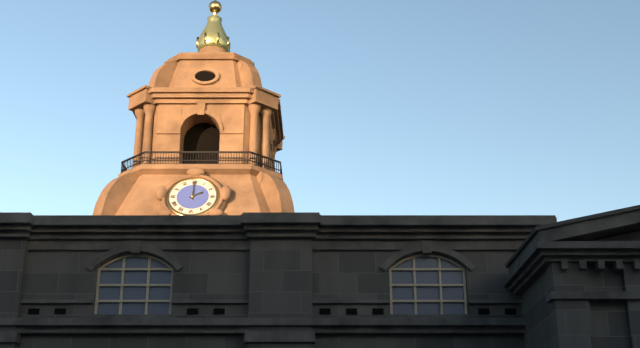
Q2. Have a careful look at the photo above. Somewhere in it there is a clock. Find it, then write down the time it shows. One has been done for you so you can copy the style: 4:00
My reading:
2:00
